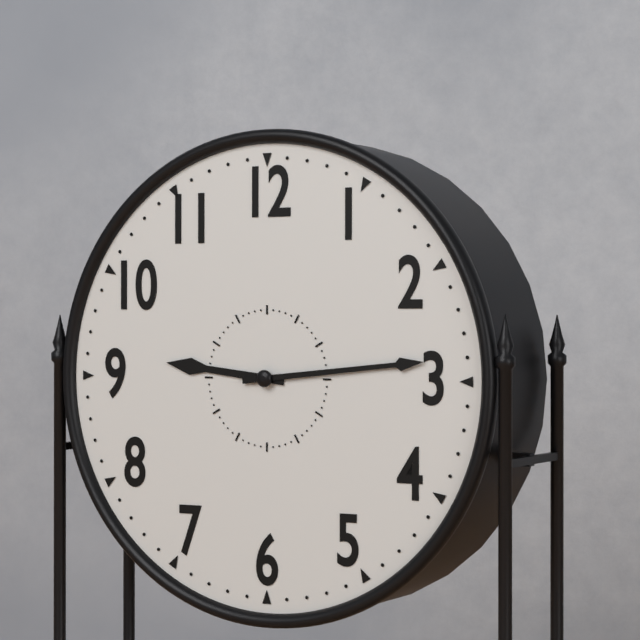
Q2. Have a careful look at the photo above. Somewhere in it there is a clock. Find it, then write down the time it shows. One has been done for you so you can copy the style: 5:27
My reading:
9:14
